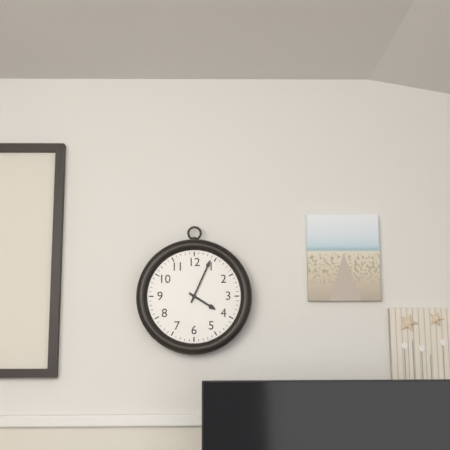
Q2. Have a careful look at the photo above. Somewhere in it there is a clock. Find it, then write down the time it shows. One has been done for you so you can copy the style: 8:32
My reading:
4:04
